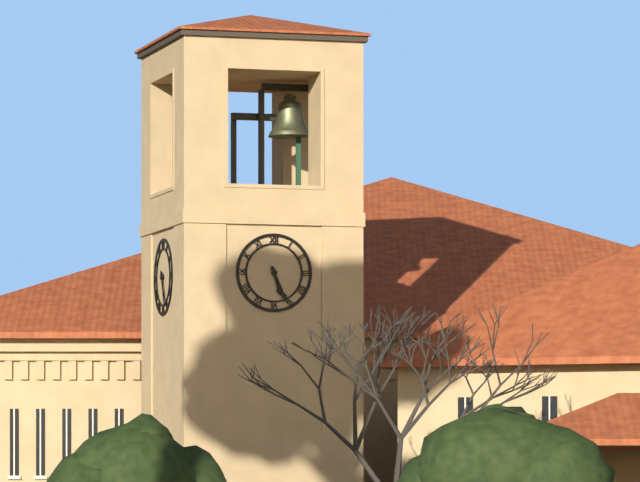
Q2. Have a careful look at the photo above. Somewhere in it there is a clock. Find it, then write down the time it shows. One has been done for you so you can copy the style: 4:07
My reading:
5:26
